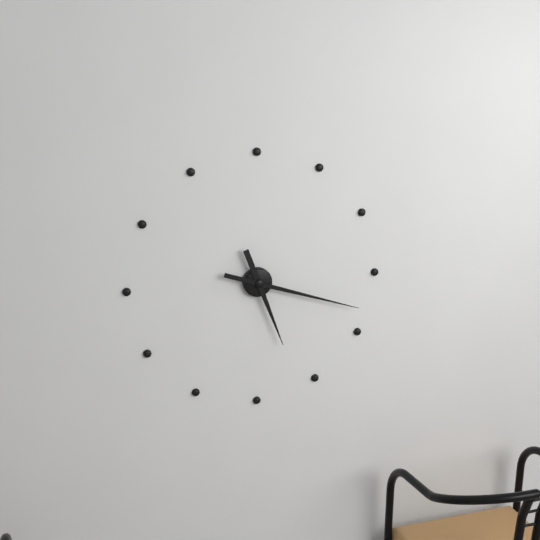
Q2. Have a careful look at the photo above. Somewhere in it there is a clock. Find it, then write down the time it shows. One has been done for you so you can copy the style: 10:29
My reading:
5:18
